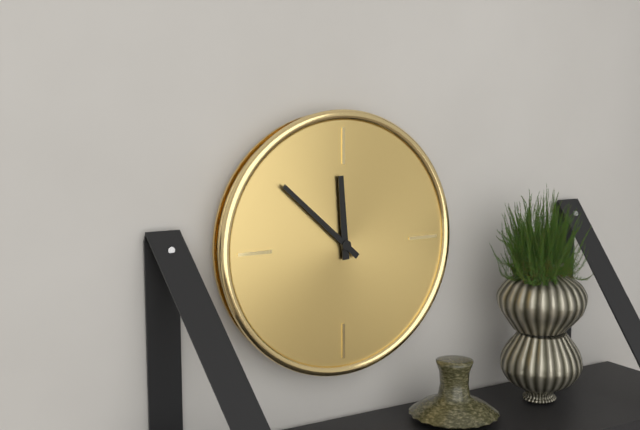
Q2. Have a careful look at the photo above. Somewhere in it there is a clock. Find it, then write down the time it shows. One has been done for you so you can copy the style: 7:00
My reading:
11:52
